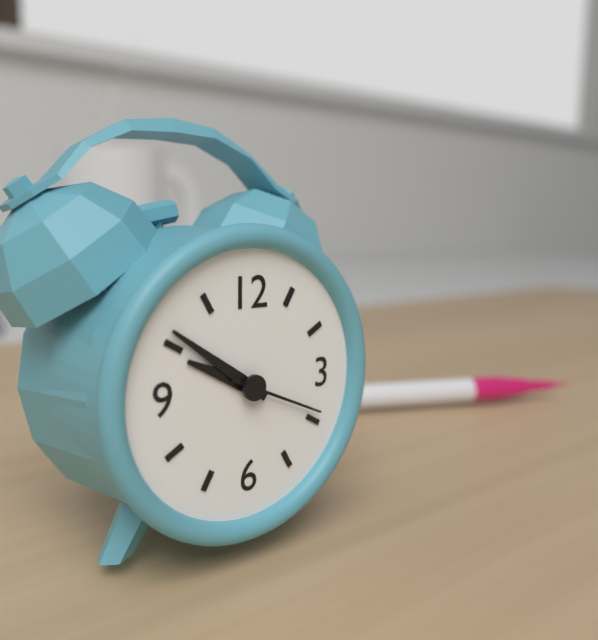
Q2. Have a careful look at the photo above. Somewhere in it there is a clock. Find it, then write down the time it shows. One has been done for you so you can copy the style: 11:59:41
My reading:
9:51:19
